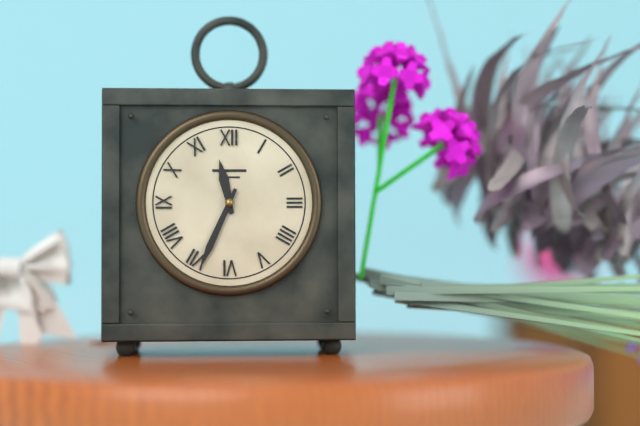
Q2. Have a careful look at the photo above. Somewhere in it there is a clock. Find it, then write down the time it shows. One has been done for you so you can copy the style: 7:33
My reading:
11:34
